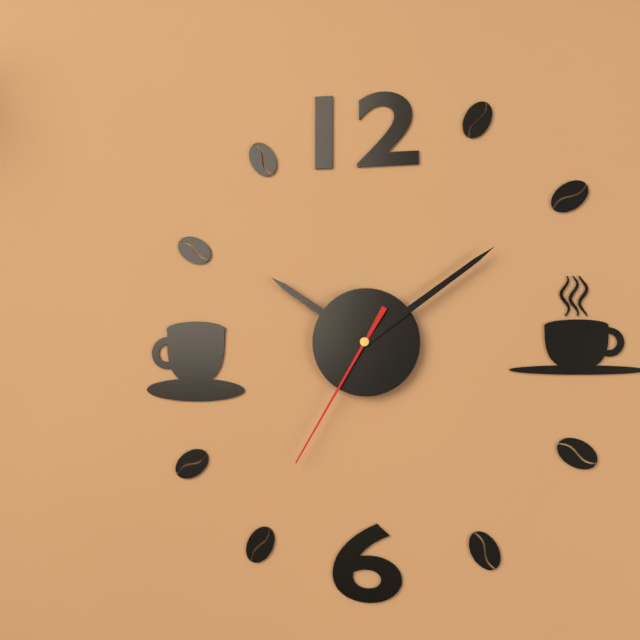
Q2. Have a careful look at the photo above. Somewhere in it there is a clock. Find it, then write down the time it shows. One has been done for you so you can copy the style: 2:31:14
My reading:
10:09:35
